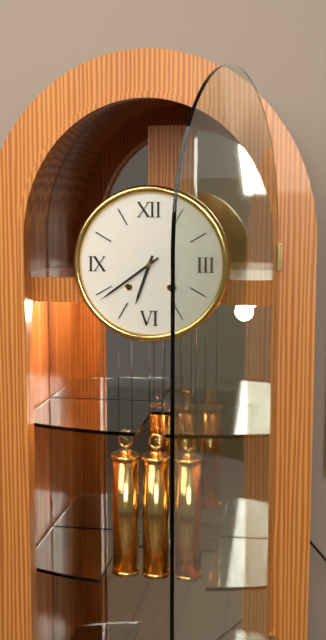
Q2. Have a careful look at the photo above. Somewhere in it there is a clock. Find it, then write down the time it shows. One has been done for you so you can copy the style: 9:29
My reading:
6:39
